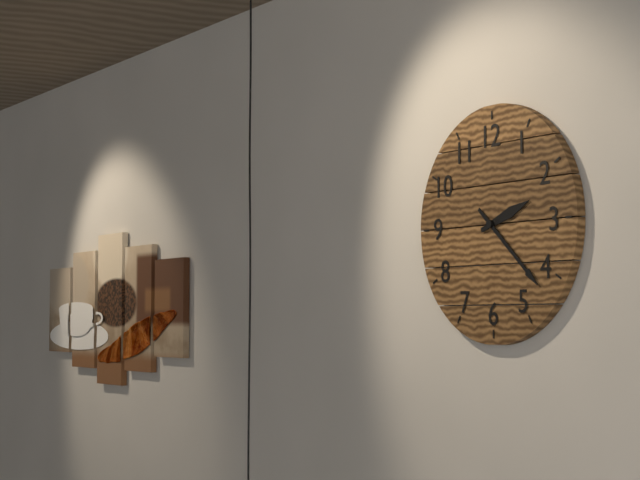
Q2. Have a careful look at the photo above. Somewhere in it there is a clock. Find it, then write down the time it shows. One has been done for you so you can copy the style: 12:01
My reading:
2:22
